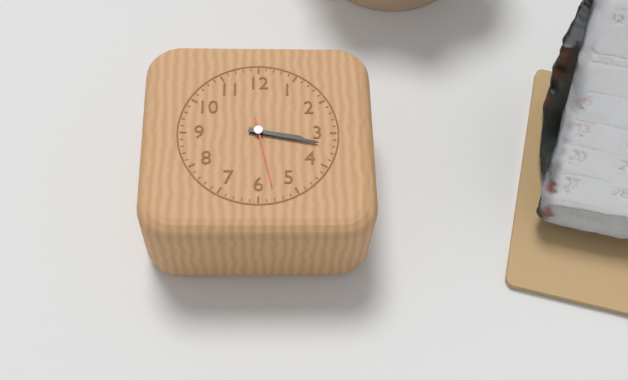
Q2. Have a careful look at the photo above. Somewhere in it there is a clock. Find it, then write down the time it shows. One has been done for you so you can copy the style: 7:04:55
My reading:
3:17:28
